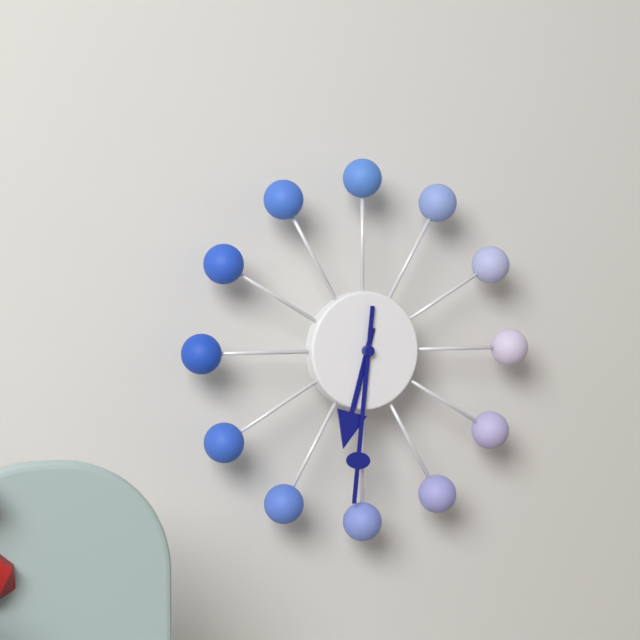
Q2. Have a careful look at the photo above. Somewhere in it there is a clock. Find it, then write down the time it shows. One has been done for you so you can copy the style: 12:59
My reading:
6:31
